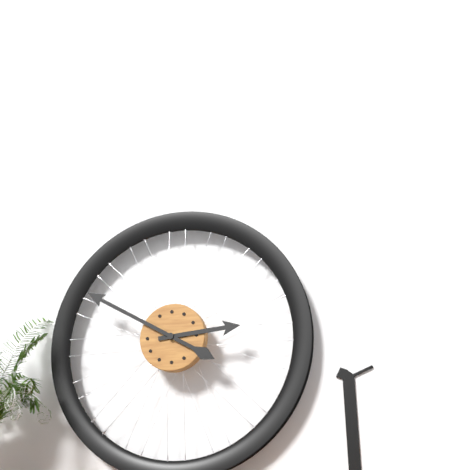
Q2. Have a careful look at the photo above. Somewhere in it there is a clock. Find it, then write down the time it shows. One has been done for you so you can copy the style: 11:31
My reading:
2:50
